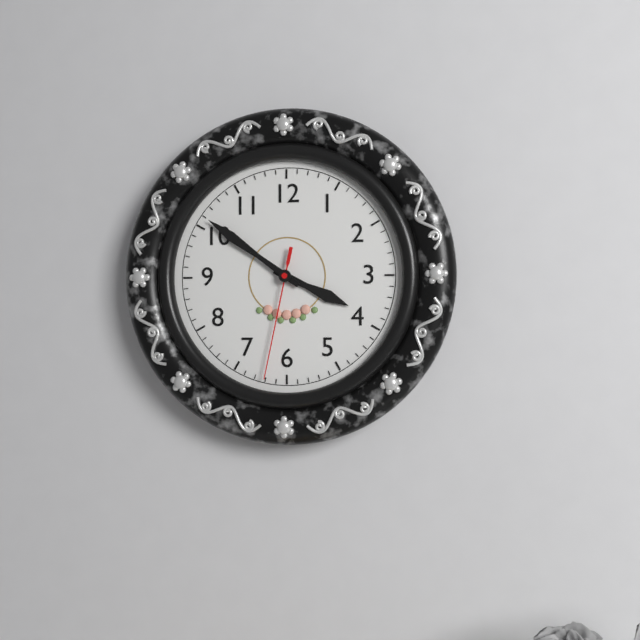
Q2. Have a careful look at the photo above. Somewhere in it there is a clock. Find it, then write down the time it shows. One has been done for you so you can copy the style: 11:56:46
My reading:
3:51:32
